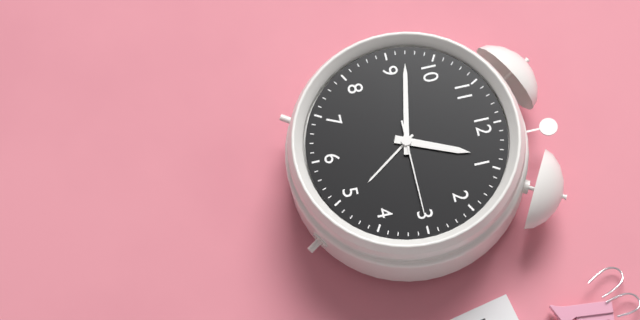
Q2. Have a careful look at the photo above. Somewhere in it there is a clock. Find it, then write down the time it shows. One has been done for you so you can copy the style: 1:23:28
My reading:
12:47:15
